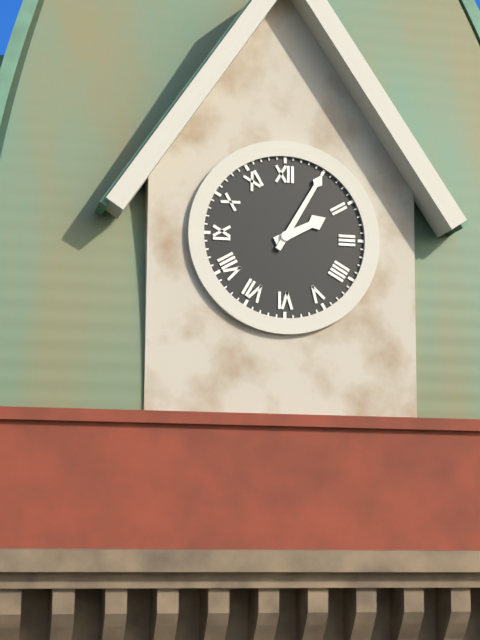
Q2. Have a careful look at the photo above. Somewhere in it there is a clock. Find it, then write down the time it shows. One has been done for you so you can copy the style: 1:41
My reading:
2:05
